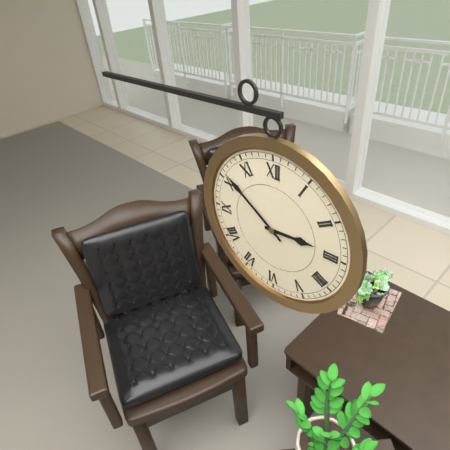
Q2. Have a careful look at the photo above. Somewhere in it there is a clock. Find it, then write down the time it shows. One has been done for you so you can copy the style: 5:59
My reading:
2:51
